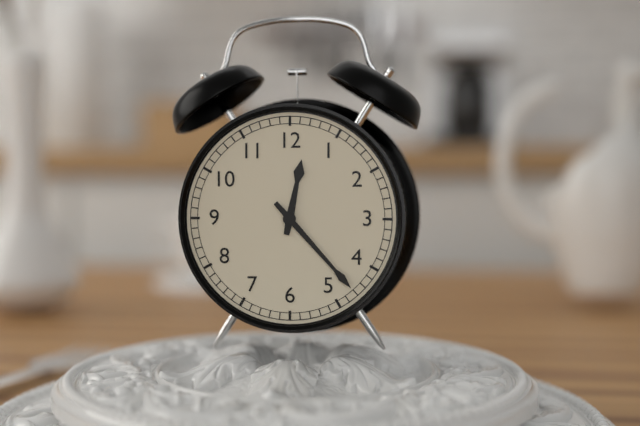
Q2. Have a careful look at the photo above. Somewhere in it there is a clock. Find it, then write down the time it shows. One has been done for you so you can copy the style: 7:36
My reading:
12:23
